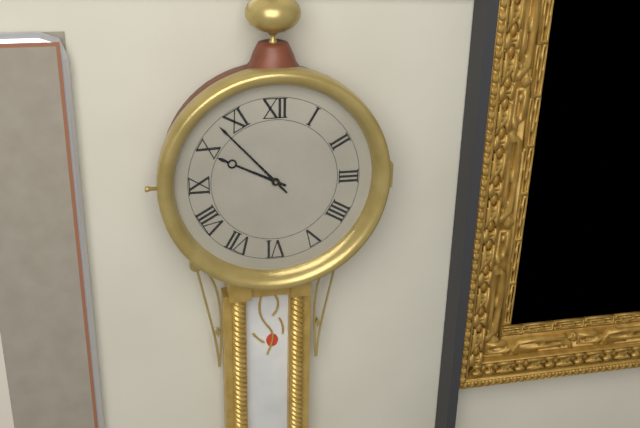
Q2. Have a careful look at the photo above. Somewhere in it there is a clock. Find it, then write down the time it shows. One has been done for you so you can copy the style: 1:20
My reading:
9:53
